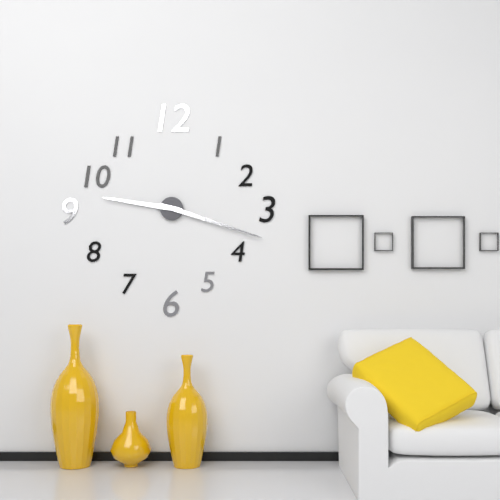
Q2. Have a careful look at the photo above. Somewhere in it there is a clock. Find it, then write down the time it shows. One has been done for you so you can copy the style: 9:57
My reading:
9:18
